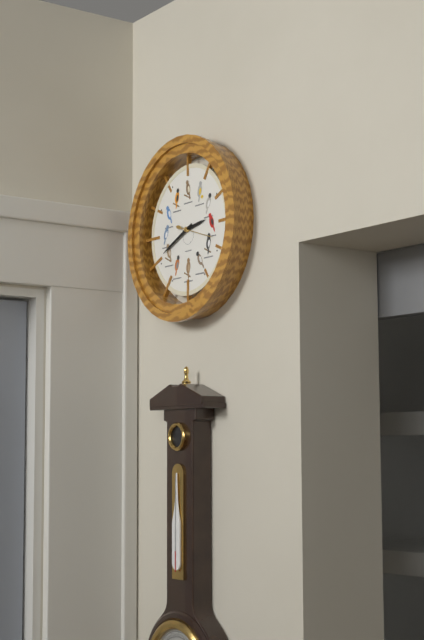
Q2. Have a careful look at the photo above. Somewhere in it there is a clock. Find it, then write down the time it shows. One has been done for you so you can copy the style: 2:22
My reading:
2:41
